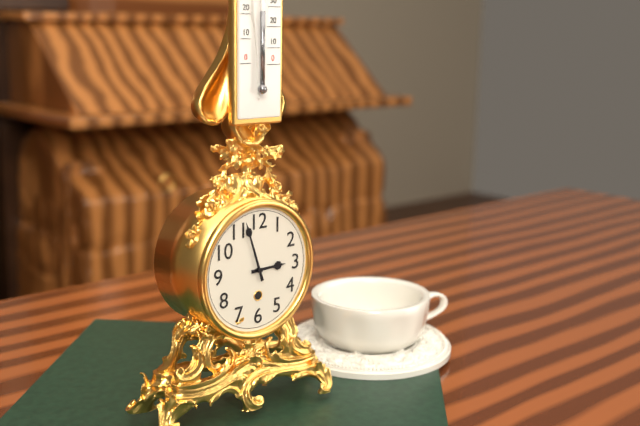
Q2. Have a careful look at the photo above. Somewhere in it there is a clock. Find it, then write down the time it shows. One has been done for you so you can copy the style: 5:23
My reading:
2:57
